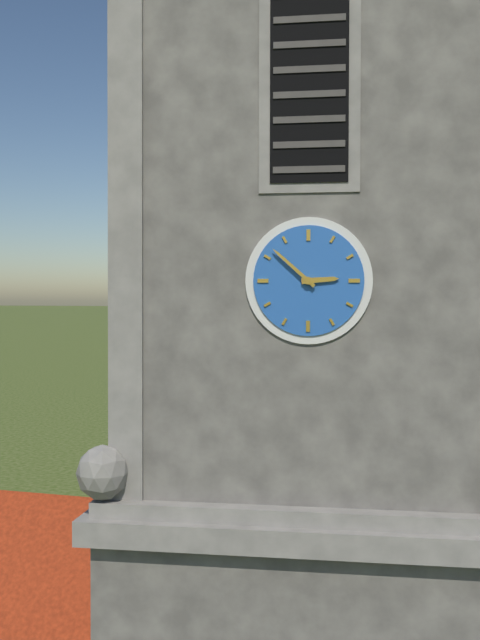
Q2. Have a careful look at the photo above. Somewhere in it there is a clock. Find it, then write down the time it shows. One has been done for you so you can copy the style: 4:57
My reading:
2:52
